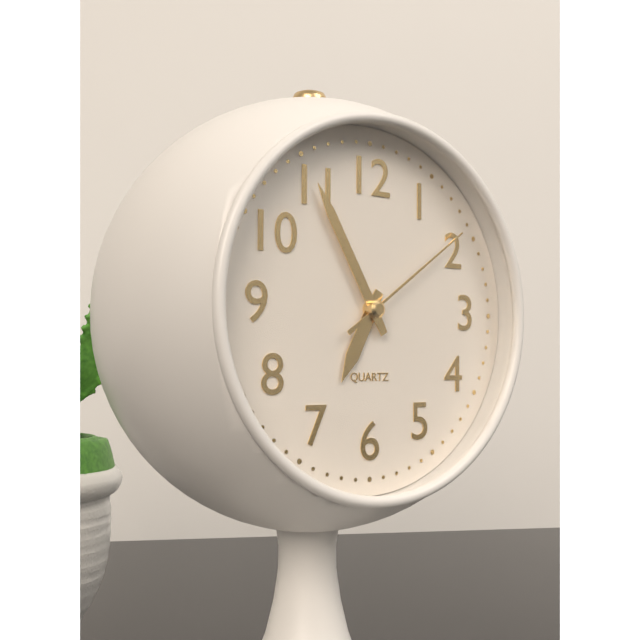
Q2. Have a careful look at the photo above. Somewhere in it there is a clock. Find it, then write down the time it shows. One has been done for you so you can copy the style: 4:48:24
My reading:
6:55:09
